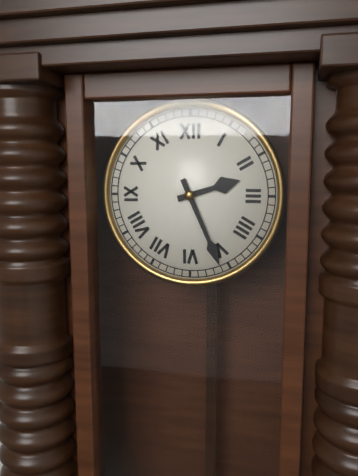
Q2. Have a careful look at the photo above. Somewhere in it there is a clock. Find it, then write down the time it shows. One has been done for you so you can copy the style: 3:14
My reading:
2:26
